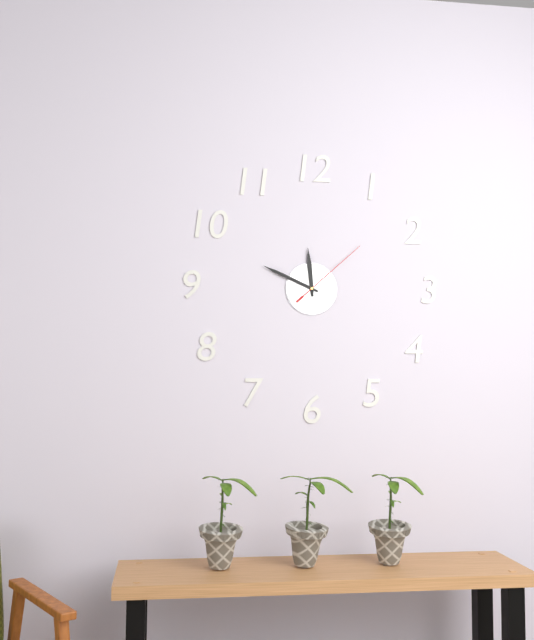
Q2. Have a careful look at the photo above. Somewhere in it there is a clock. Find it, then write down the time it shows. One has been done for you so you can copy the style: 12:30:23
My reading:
11:49:08
